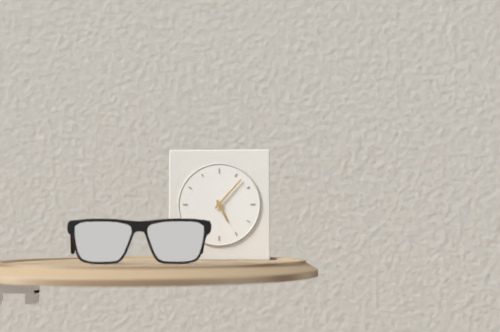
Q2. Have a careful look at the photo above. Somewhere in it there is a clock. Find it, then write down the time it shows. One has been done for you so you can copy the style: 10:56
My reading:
5:07
